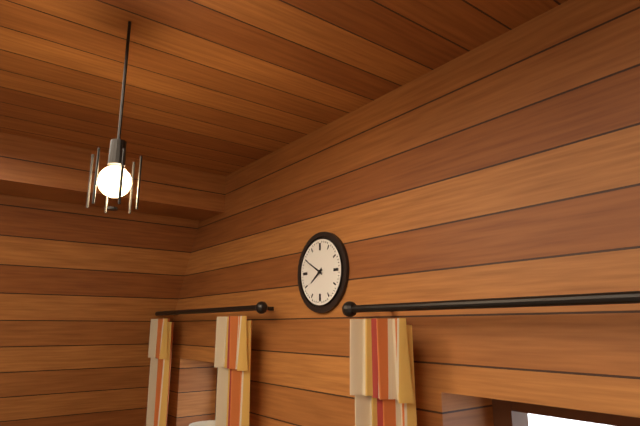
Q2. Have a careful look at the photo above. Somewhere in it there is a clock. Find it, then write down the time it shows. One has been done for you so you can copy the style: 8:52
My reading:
7:50
